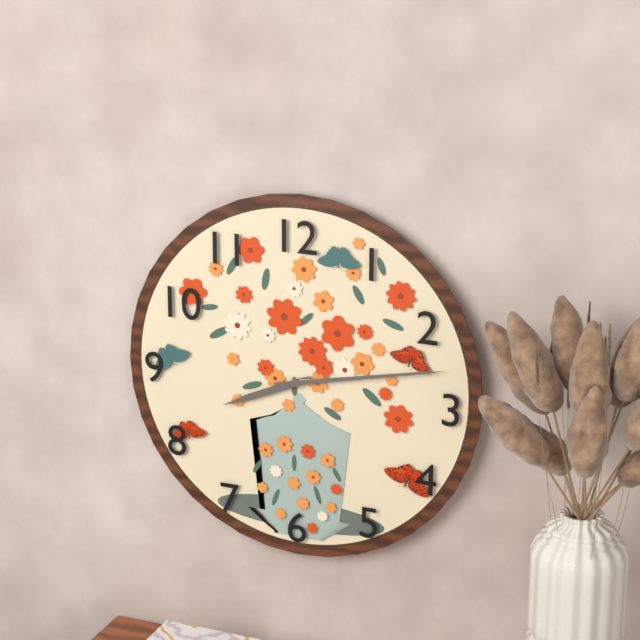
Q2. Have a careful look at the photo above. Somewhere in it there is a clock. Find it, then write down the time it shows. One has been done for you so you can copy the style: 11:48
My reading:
8:13
